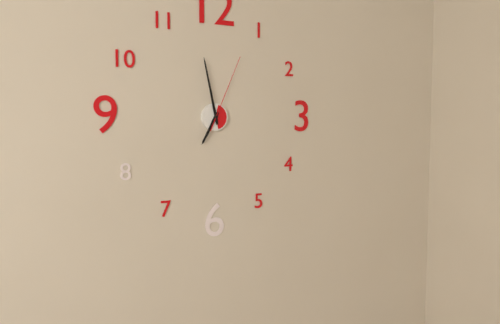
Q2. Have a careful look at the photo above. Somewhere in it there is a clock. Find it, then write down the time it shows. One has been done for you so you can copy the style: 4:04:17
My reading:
6:58:04
